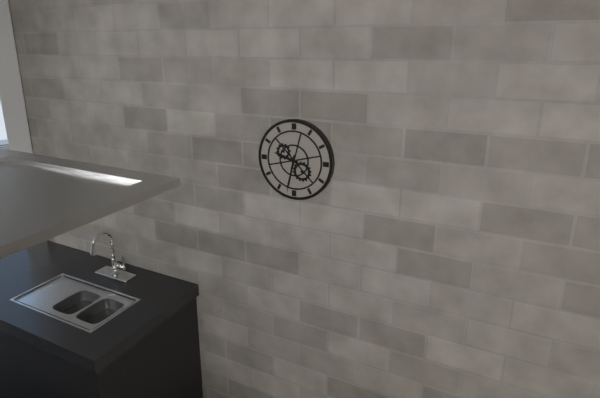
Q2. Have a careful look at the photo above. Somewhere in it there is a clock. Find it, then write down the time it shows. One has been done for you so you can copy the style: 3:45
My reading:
9:32
